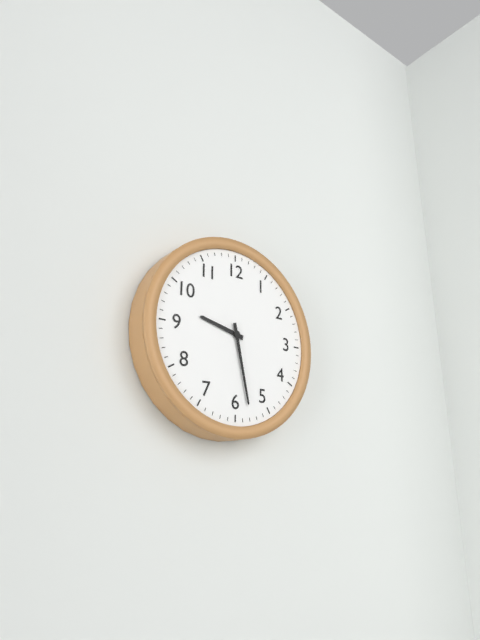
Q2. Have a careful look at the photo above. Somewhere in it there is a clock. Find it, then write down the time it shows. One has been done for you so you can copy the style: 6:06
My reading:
9:28
